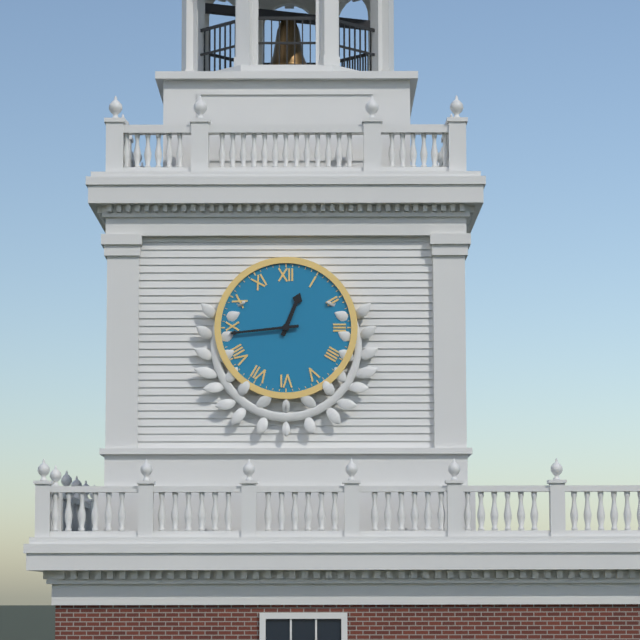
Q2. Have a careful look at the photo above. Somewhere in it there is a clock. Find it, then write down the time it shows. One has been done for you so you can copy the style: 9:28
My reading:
12:44
